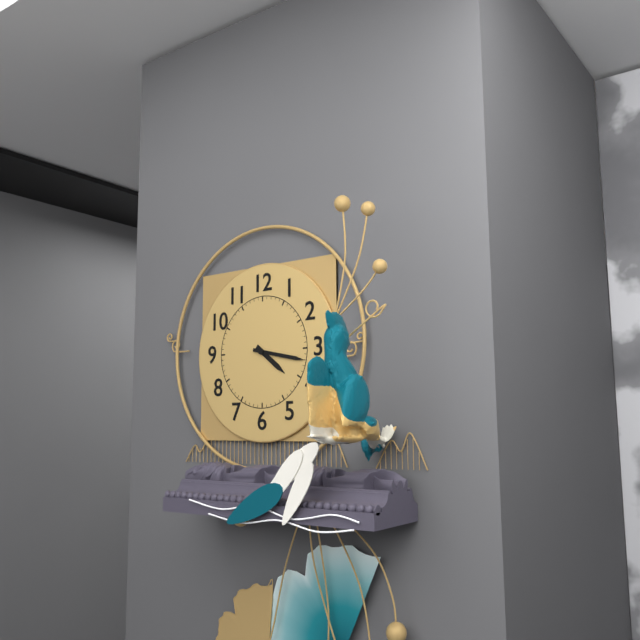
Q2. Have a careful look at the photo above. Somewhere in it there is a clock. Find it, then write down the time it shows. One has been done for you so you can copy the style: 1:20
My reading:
4:17
